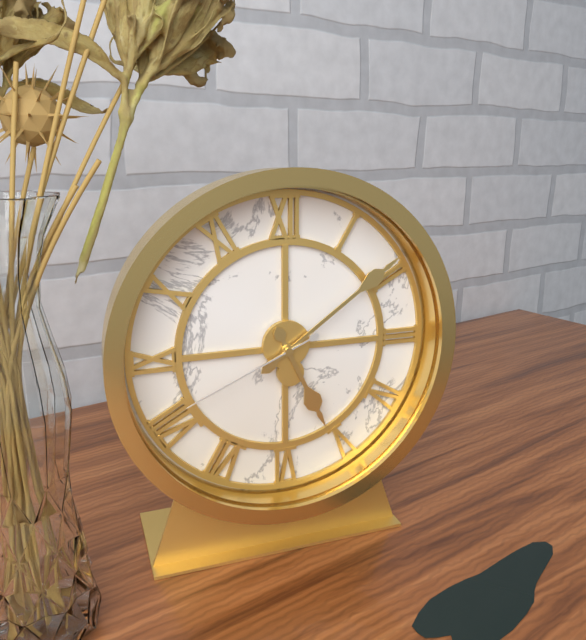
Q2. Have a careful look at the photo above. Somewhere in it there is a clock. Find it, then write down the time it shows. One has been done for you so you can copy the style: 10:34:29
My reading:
5:09:41
